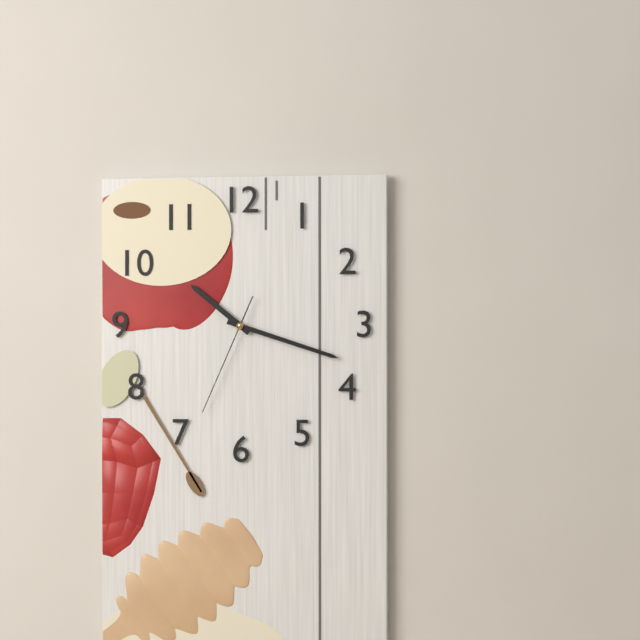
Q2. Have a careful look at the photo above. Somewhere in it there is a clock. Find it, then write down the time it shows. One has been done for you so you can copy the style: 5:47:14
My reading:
10:18:34
